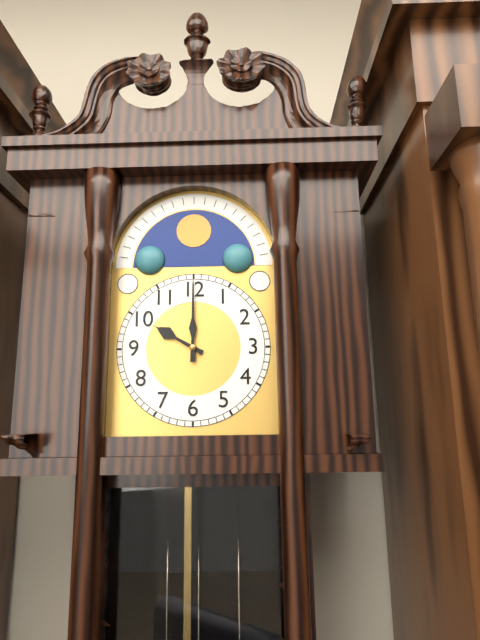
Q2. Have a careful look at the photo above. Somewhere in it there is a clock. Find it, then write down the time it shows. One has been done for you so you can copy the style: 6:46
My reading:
10:00
